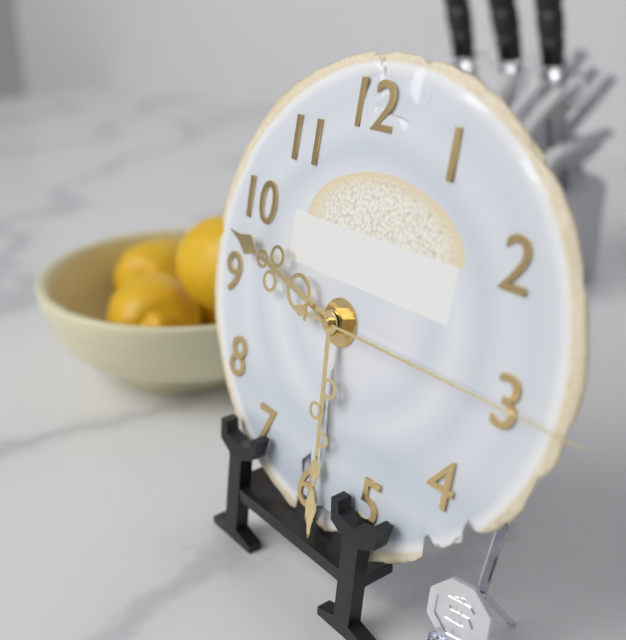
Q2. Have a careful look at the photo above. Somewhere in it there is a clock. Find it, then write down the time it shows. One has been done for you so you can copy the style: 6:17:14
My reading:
9:29:15
